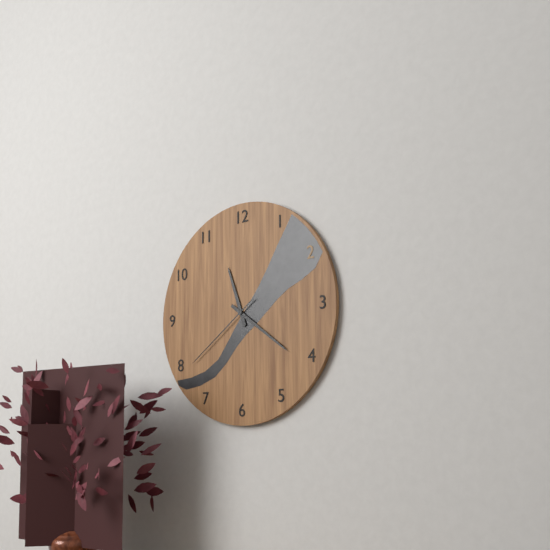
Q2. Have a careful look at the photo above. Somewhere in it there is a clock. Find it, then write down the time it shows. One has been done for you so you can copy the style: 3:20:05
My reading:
11:21:39
